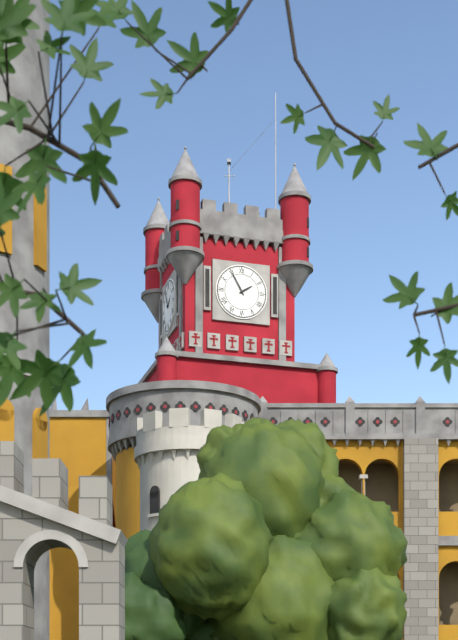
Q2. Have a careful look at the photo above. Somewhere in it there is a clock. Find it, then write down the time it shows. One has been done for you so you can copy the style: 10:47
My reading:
1:55
